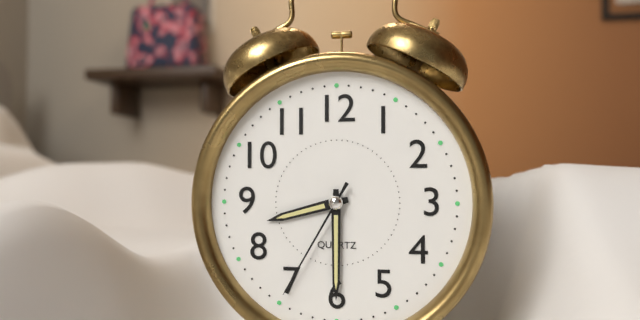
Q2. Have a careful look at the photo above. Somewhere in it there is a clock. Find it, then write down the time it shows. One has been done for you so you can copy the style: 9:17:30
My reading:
8:30:35
